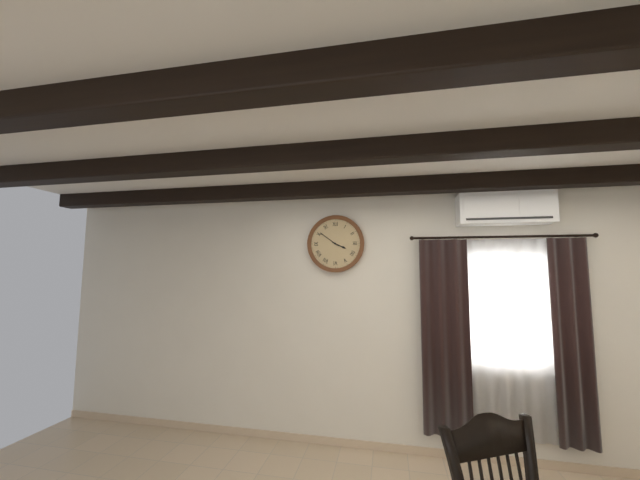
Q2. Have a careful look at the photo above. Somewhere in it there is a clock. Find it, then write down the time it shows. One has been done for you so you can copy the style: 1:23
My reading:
3:51
